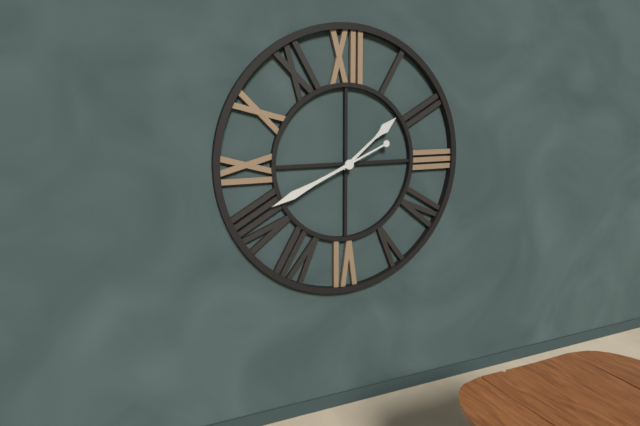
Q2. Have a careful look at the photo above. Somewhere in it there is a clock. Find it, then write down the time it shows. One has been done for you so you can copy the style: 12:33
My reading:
1:41
